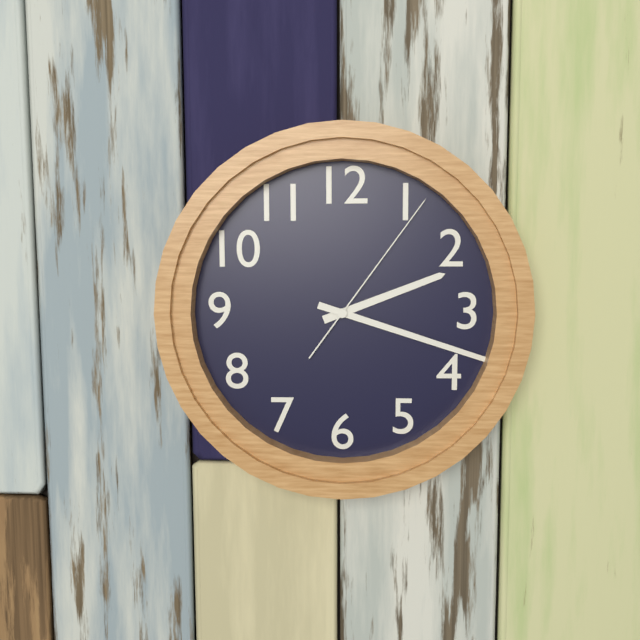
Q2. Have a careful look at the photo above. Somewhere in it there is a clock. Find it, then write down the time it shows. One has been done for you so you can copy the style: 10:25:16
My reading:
2:18:06
